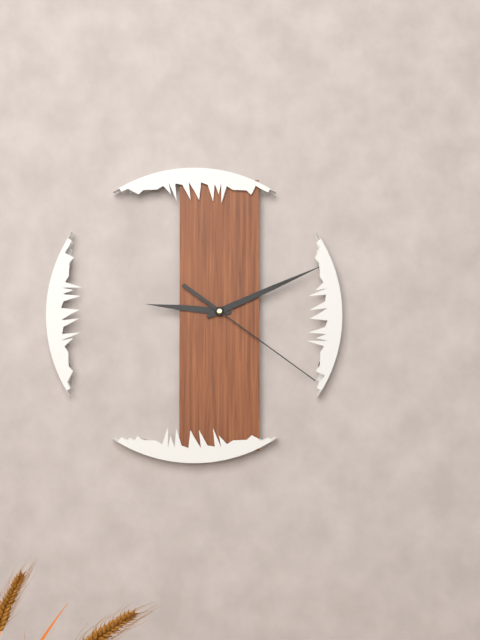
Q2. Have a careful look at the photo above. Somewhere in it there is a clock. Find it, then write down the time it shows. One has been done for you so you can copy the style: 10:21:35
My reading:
9:11:21
